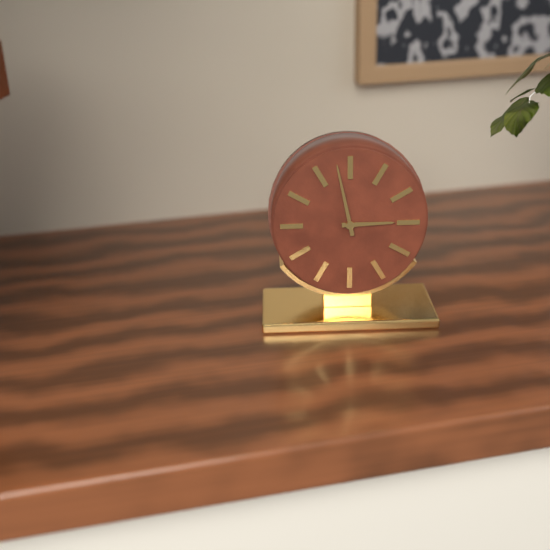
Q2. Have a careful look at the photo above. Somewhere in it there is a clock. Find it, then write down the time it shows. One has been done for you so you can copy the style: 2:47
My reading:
2:58
